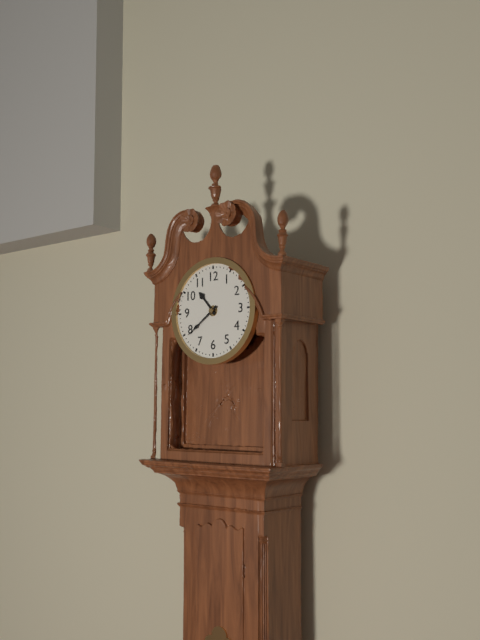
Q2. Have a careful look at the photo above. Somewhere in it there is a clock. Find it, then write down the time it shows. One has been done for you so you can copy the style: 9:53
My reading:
10:39
